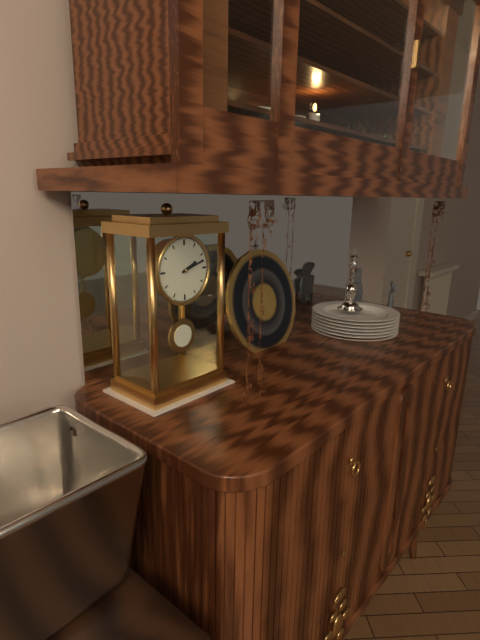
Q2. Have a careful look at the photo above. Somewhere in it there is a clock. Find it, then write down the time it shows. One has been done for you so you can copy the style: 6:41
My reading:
2:12
